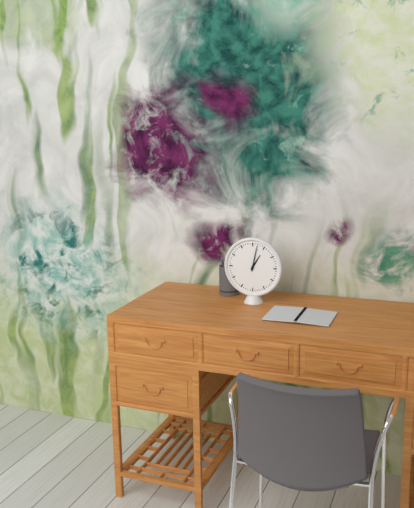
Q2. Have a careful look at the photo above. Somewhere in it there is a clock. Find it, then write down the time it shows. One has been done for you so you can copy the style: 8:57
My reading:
1:02
